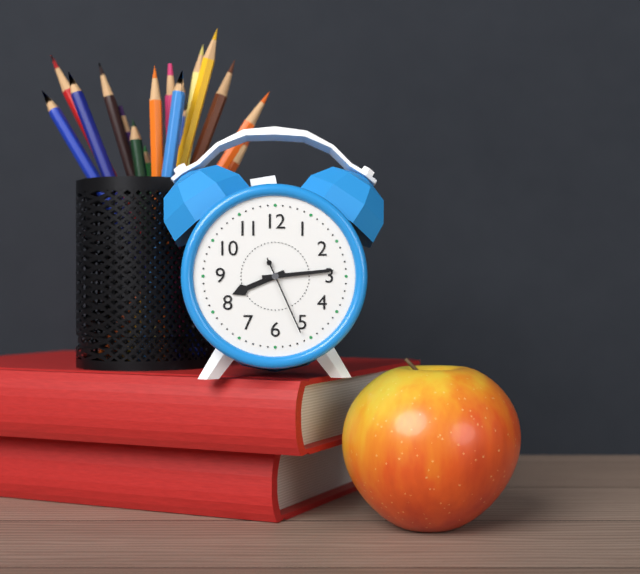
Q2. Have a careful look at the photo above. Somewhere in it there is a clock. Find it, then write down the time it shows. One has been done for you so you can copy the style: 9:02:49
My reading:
8:14:26
